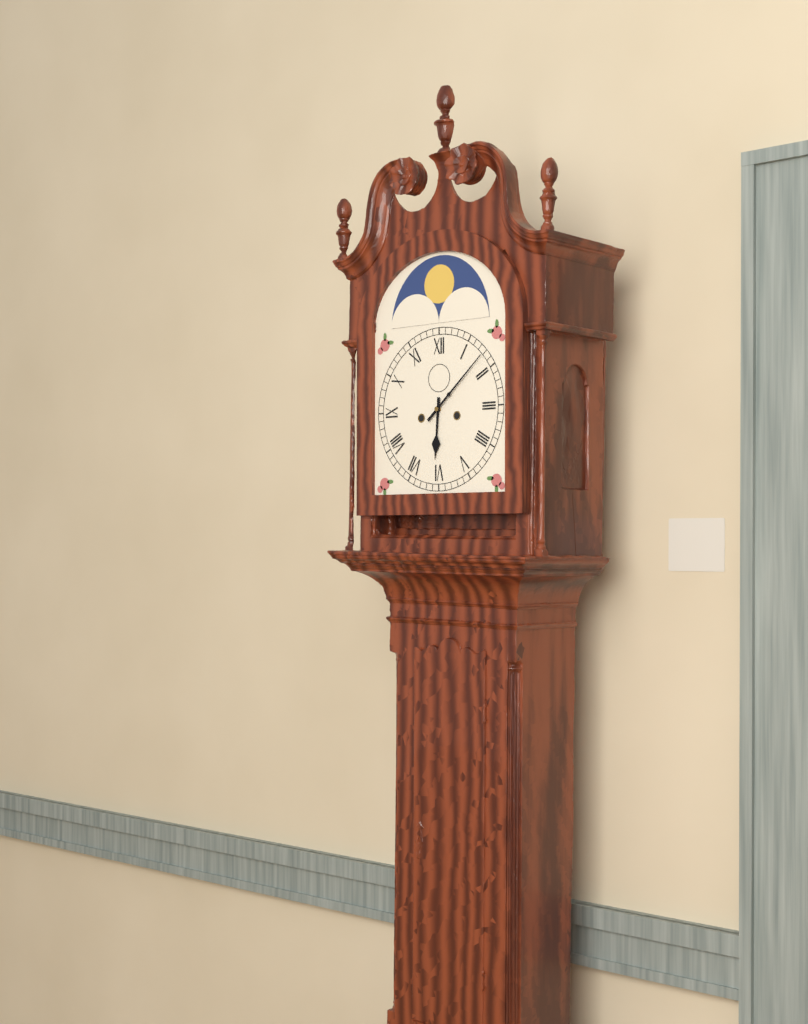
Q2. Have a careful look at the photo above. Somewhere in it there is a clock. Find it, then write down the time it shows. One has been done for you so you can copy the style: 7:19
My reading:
6:08
